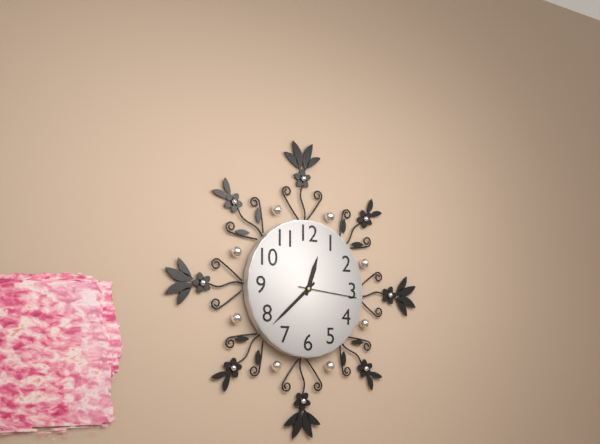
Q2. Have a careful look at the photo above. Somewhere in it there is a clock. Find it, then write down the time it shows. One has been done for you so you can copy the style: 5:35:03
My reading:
12:38:16
